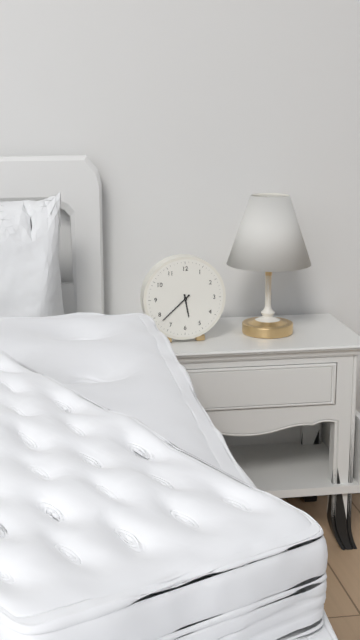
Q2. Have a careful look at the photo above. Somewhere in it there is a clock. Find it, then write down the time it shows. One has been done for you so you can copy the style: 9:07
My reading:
5:38
